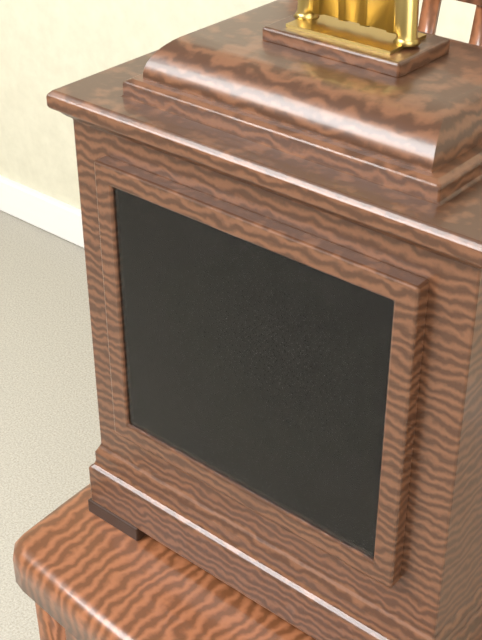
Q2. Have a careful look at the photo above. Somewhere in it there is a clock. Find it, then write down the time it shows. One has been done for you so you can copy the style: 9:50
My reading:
9:21
